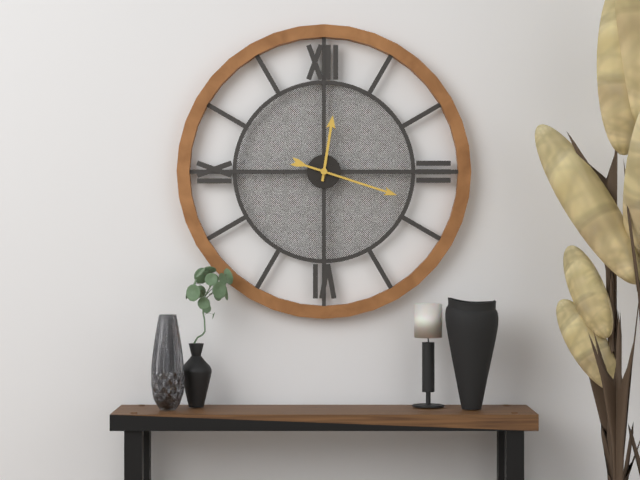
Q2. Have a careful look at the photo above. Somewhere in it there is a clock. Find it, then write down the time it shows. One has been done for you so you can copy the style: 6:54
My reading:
12:18
